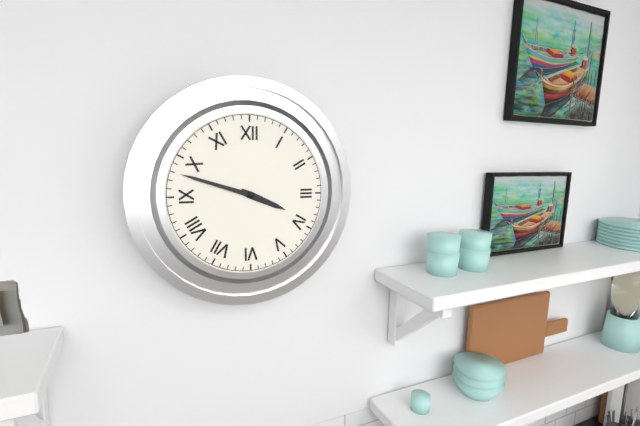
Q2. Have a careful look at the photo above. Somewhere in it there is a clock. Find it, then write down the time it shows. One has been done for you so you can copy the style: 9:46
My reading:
3:48
